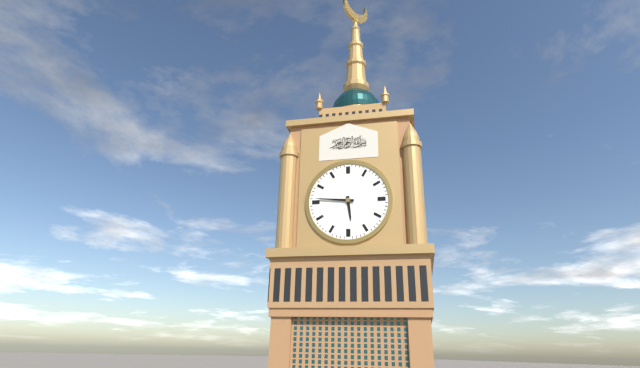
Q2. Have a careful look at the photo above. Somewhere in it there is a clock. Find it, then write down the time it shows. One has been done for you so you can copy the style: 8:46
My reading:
5:46
